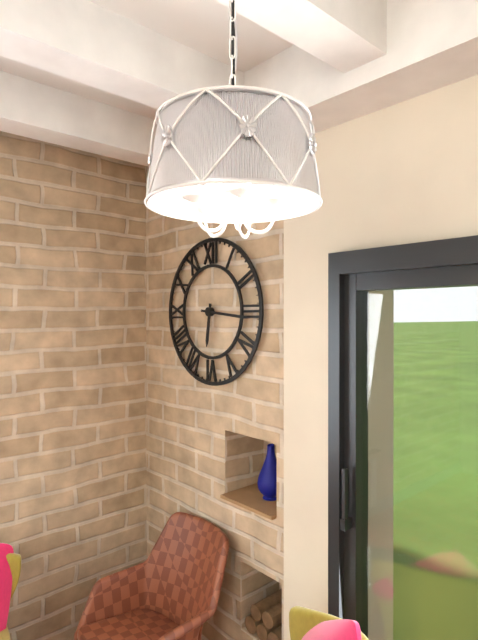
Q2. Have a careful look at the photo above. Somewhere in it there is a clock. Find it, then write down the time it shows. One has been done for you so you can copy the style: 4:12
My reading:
6:16
